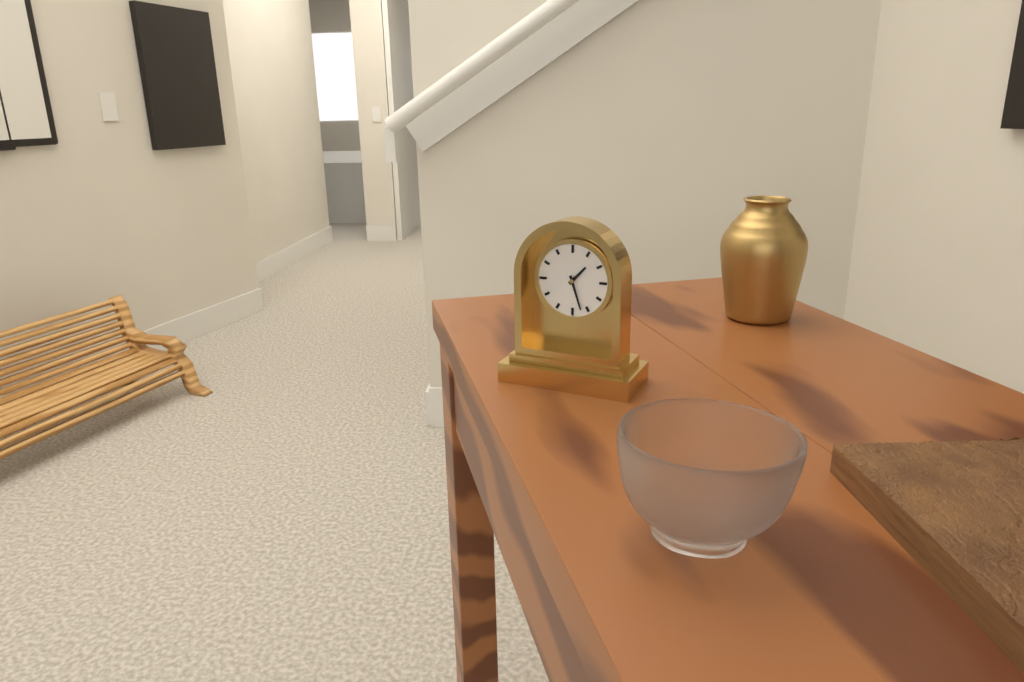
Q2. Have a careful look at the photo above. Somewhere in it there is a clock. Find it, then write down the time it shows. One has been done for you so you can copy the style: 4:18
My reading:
1:27
